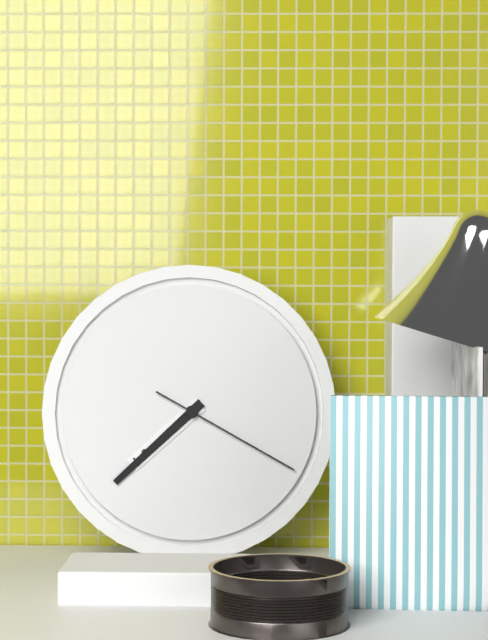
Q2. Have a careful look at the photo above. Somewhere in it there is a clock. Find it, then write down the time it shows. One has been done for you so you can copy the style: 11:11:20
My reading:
7:38:20
